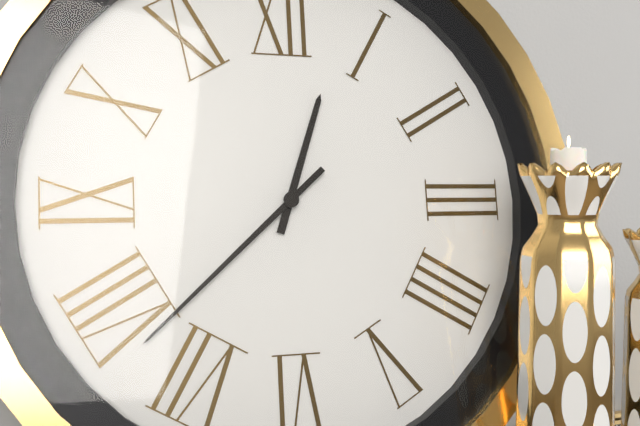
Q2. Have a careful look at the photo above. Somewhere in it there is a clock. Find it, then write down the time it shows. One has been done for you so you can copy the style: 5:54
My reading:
12:38
